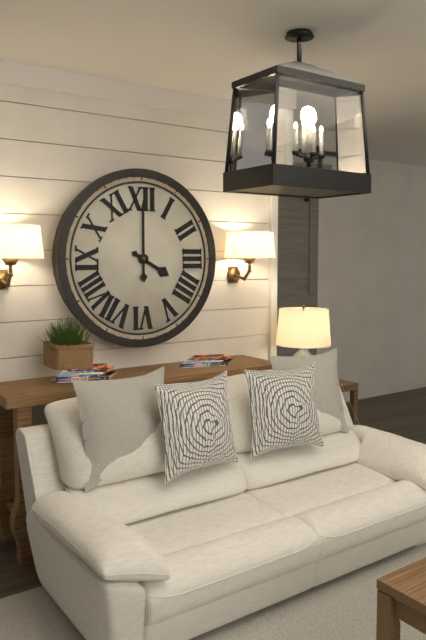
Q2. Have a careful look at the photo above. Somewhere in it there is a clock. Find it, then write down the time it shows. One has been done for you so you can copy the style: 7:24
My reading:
4:00
